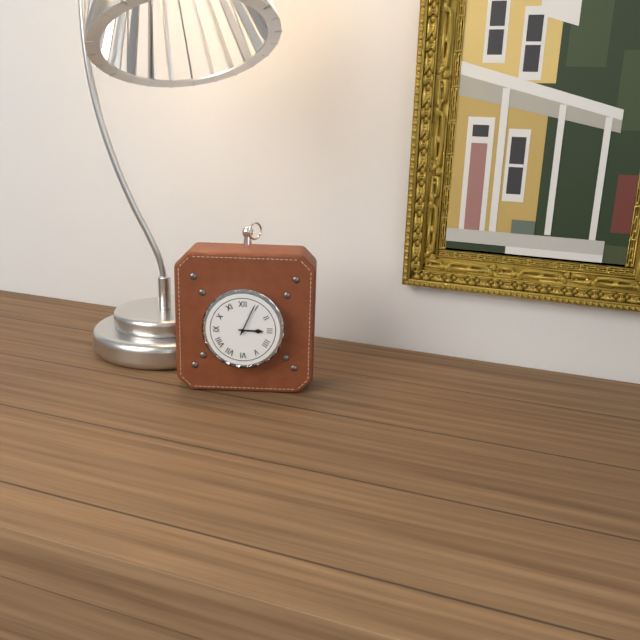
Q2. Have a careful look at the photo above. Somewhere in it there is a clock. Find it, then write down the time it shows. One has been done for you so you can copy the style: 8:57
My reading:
3:04
